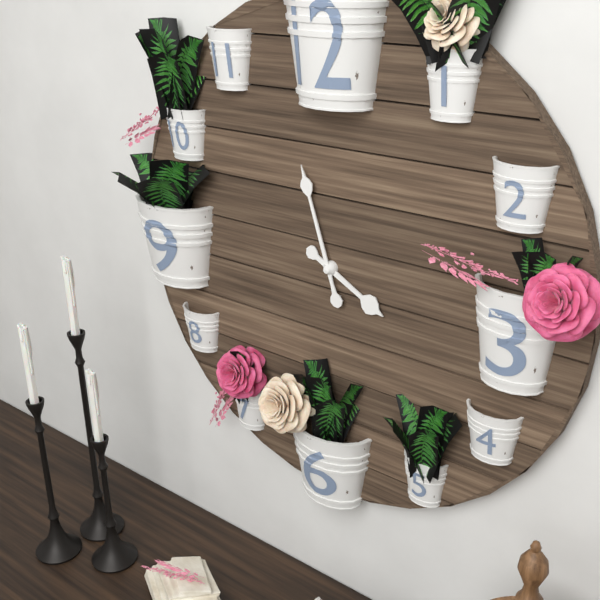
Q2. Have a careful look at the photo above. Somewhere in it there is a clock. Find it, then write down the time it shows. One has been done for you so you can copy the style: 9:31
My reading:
3:57
